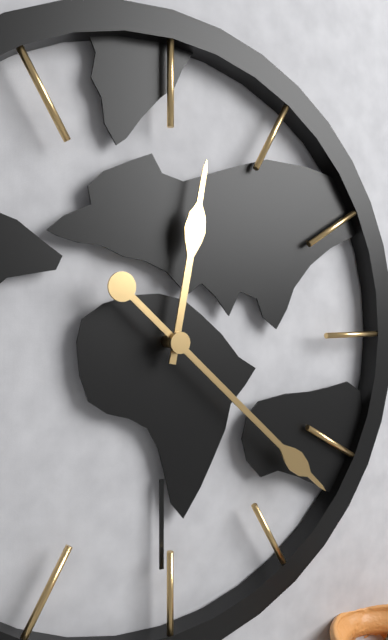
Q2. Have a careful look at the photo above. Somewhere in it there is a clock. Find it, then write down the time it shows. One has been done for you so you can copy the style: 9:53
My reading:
12:22
